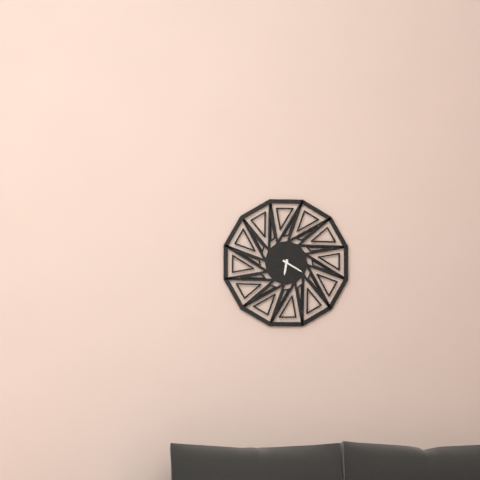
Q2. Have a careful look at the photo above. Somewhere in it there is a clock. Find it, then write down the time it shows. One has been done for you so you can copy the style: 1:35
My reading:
6:20
